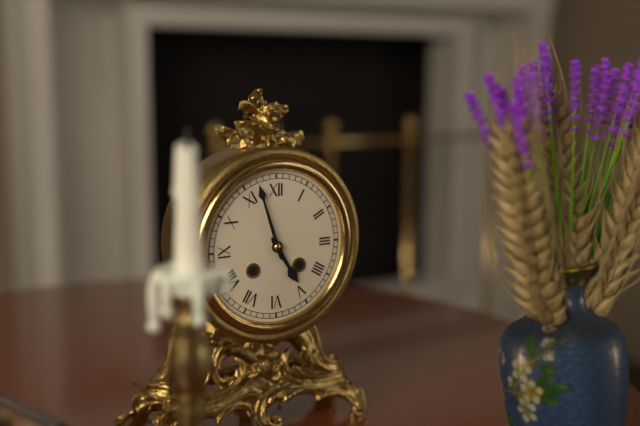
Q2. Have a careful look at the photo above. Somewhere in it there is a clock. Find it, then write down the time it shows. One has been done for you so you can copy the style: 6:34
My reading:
4:57
